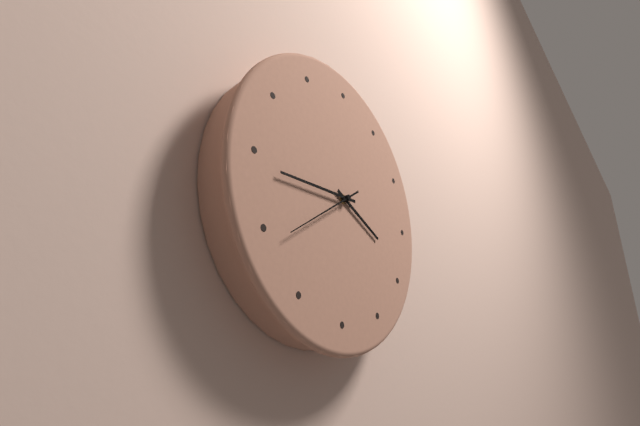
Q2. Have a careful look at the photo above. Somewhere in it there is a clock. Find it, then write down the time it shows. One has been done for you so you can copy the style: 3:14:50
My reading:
3:44:39
